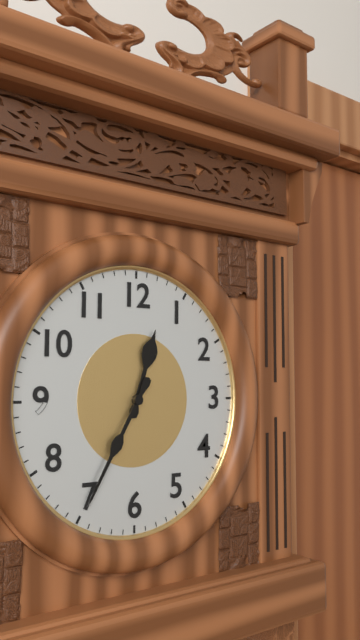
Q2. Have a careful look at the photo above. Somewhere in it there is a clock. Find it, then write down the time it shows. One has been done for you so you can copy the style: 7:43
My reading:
12:35
